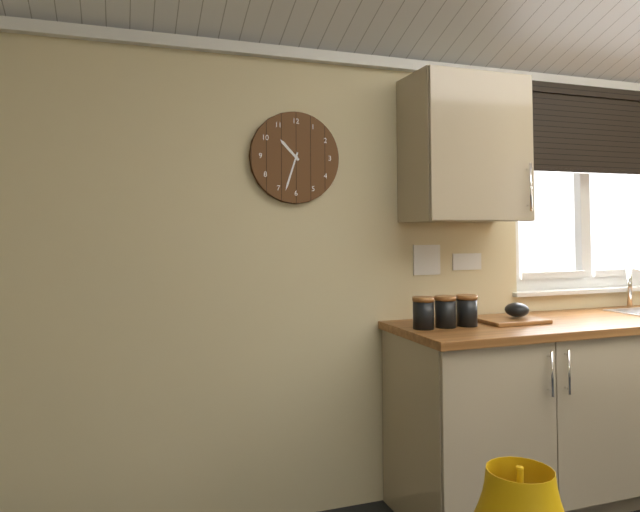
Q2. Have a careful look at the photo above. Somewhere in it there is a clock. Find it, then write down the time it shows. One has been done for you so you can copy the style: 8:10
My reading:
10:33
